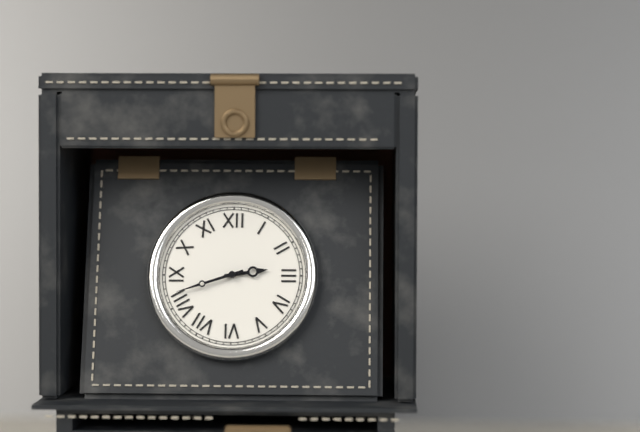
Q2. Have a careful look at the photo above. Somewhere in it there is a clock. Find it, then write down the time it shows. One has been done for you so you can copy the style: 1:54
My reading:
2:42
